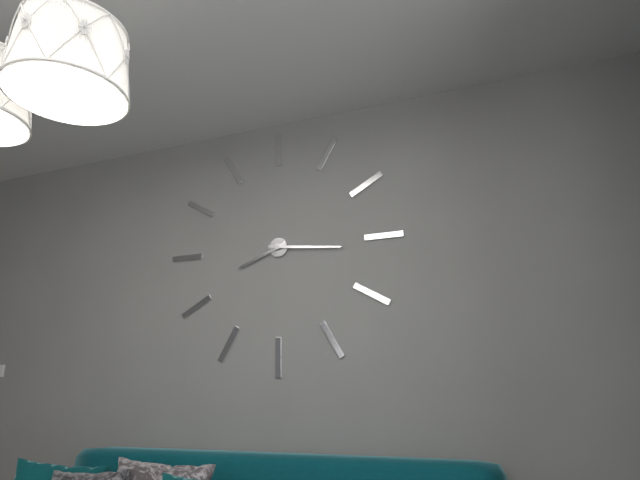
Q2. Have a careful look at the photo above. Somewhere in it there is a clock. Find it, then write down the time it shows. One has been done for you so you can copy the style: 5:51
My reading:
8:16
